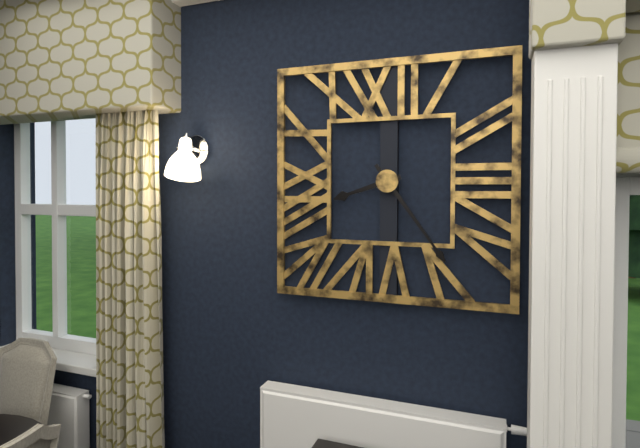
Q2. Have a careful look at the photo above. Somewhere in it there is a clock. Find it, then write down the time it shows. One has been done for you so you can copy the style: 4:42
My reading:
8:24
